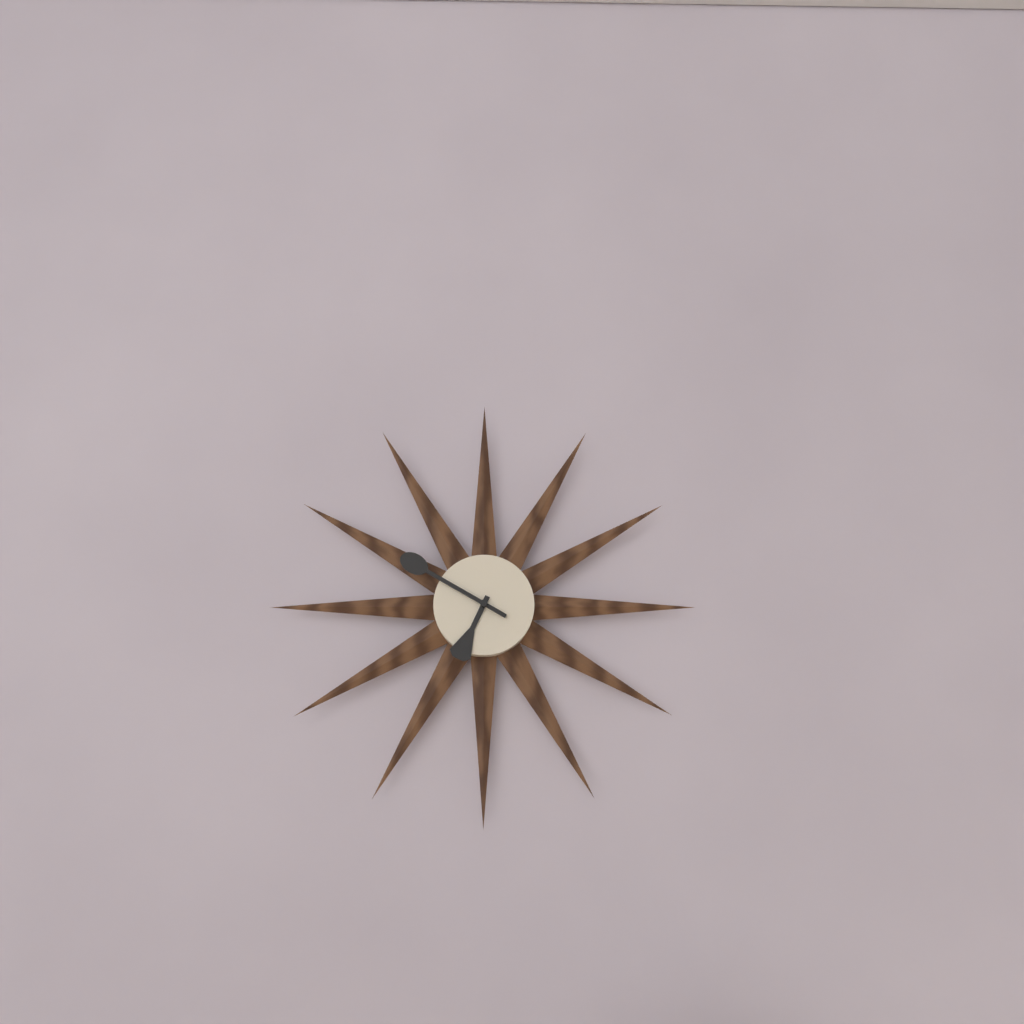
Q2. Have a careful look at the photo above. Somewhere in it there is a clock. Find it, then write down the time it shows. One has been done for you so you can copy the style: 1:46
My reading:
6:50
